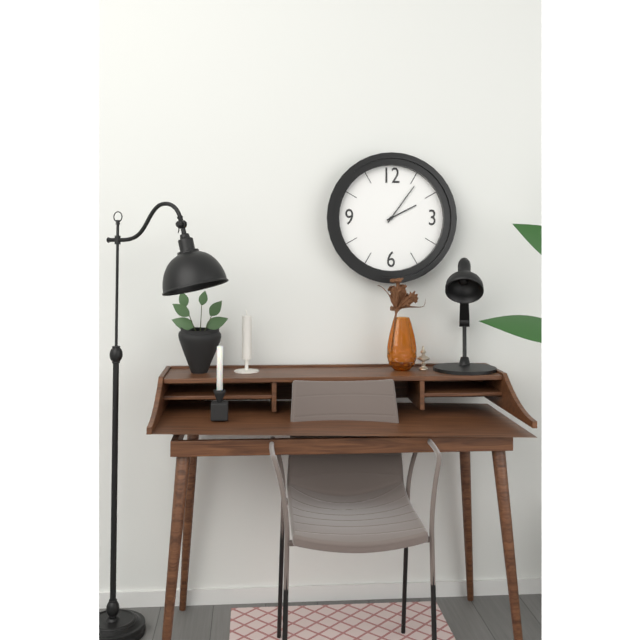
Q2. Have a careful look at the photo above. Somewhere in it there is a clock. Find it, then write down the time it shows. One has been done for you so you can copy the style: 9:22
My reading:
2:06
